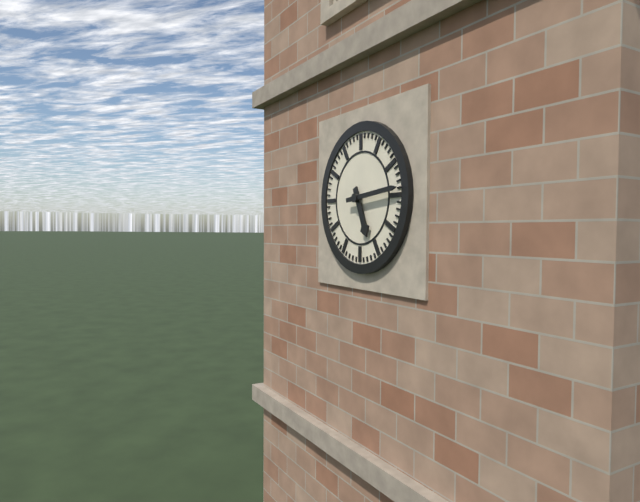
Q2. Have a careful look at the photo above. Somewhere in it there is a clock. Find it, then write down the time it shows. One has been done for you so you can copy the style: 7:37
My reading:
5:14
